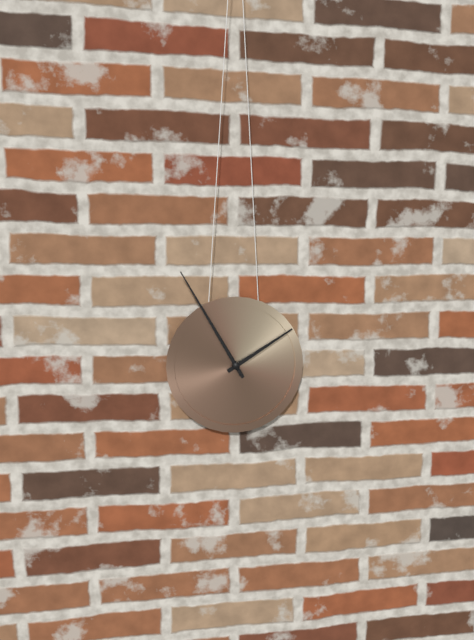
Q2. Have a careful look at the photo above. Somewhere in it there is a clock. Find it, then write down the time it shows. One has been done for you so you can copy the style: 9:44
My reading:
1:55
